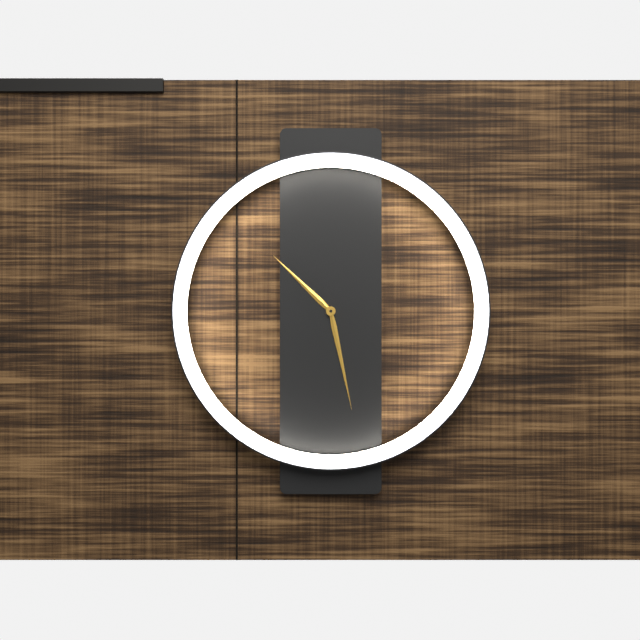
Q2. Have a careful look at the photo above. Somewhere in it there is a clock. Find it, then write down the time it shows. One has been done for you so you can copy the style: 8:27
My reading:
10:28
